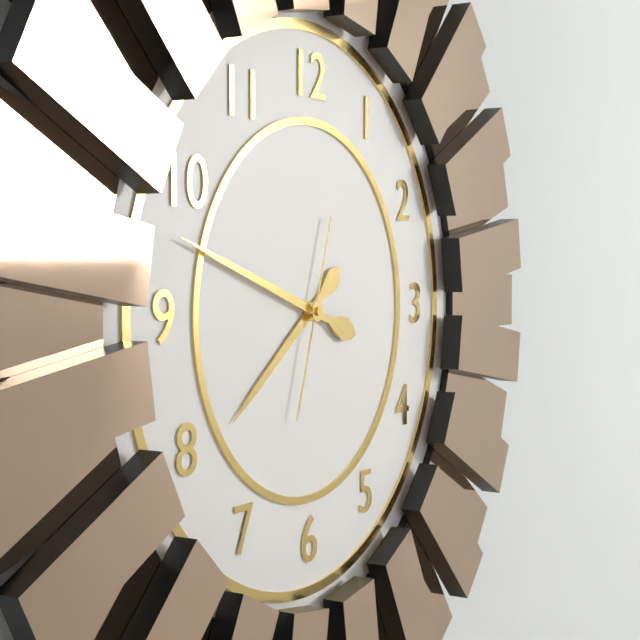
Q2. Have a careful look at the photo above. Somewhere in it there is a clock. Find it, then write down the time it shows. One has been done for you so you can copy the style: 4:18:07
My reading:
7:48:33
